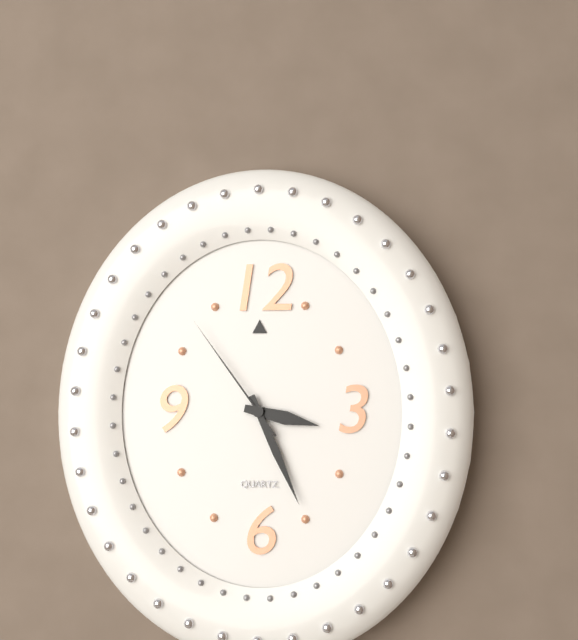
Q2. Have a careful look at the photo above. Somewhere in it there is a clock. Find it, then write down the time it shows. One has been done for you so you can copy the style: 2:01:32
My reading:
3:26:54
